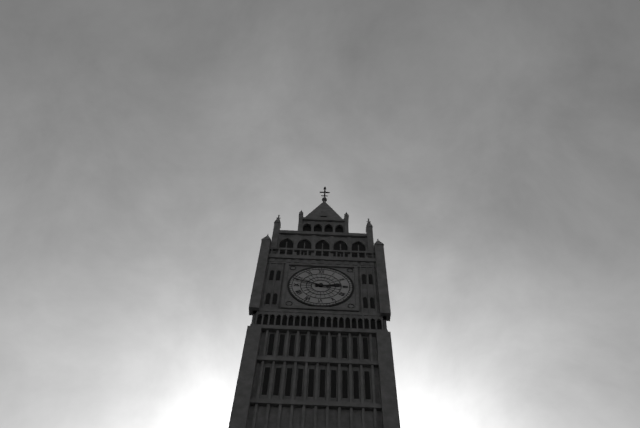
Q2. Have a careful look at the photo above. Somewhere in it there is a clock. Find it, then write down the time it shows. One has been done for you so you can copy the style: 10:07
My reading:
2:48
